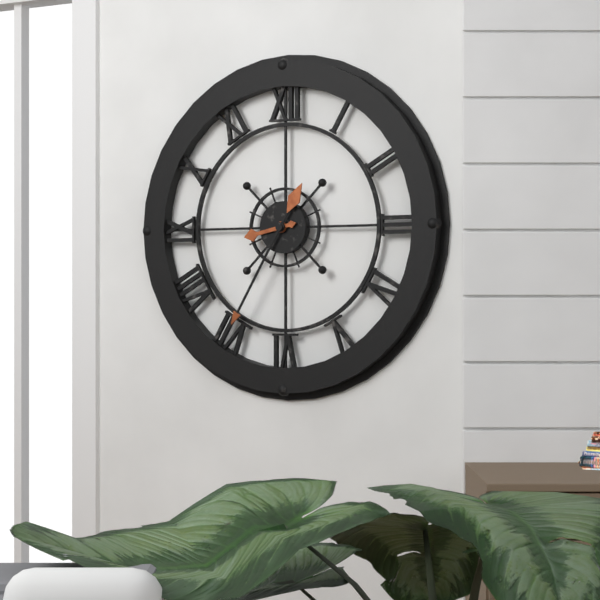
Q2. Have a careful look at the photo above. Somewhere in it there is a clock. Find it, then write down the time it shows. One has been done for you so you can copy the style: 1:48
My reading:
8:35
